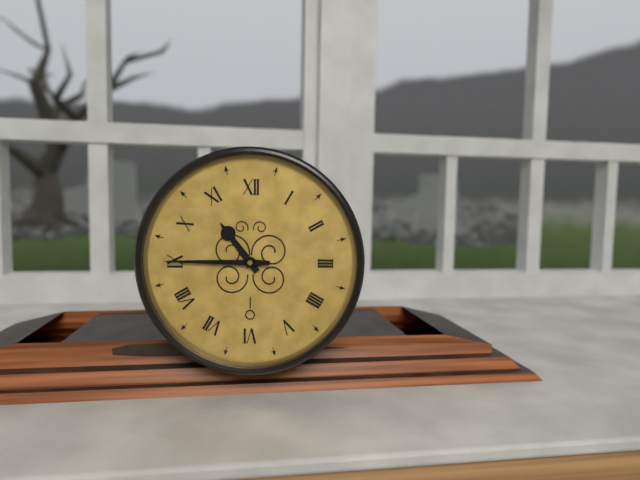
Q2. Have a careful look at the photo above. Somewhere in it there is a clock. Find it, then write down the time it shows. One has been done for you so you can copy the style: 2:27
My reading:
10:45
